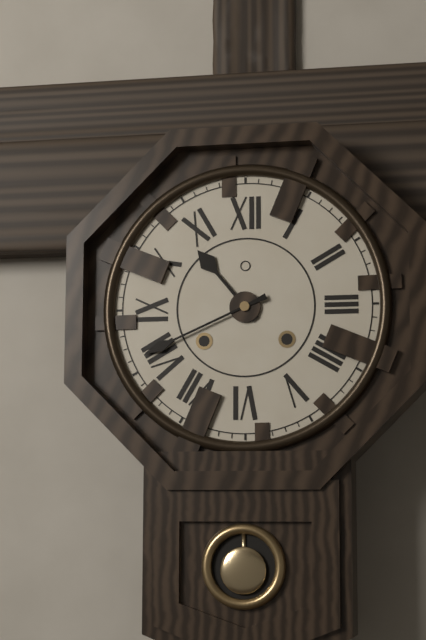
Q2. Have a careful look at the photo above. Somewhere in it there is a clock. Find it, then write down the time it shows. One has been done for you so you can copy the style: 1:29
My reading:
10:41
